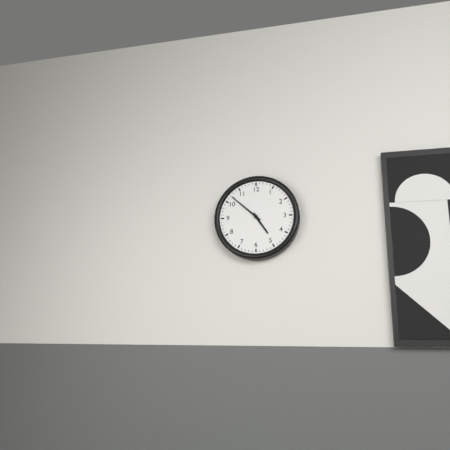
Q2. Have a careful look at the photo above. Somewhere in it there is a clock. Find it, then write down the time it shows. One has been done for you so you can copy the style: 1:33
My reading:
4:52
